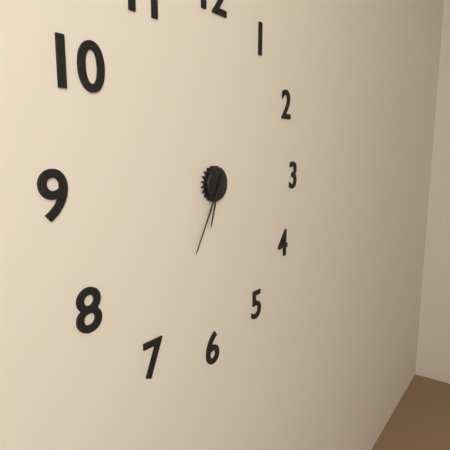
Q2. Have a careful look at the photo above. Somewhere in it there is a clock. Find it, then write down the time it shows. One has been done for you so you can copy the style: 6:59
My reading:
6:35
